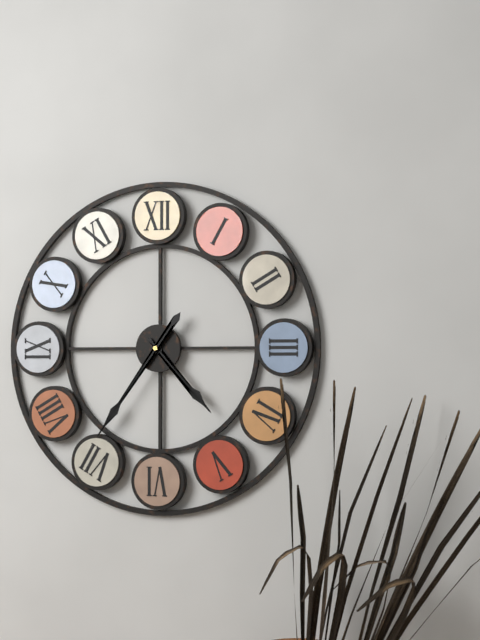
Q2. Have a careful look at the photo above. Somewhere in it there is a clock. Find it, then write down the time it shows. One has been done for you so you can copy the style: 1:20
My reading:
4:36
